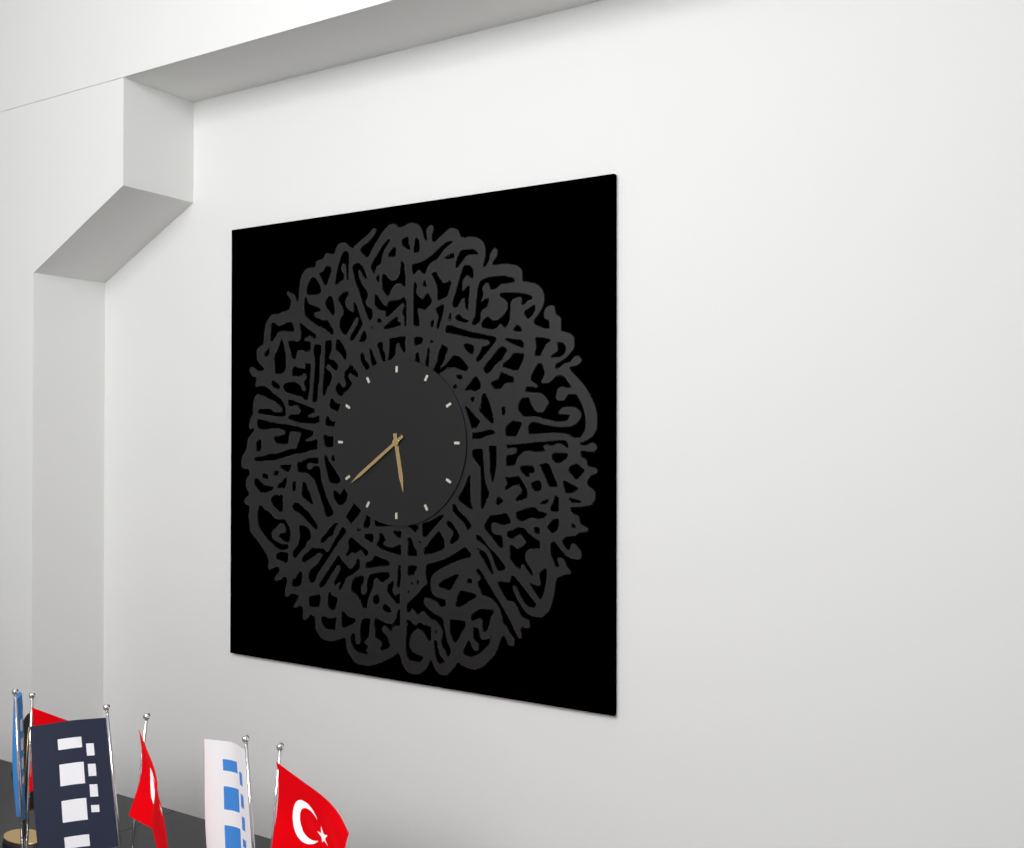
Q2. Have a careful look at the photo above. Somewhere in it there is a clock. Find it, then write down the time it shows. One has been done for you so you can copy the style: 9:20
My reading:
5:39
